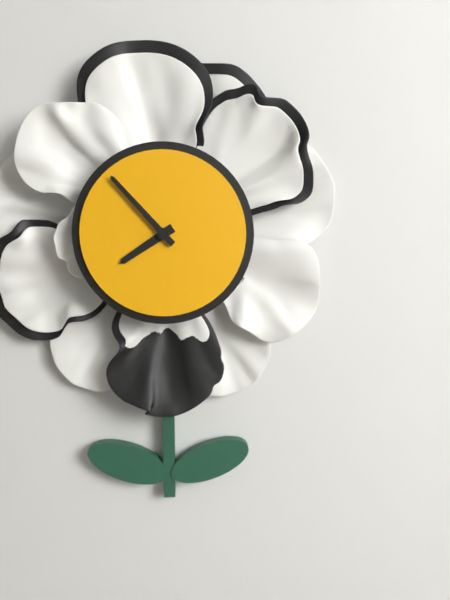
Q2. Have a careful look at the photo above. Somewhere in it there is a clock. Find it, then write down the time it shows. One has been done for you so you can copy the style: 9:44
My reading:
7:53
